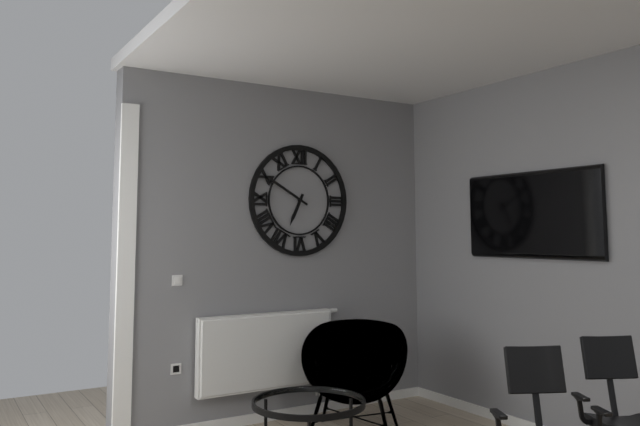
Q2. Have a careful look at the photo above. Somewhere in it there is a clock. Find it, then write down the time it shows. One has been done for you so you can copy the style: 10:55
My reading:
6:50
